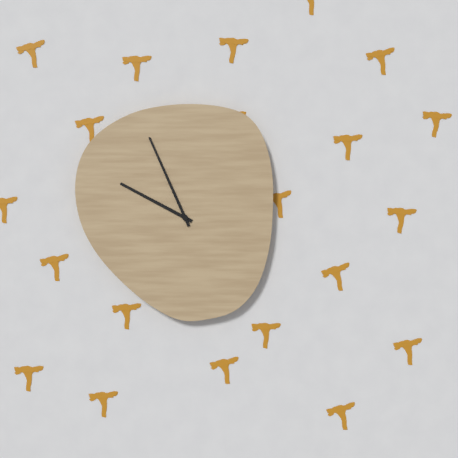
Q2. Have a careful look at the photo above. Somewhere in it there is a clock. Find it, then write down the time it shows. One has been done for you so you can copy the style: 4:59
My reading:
9:56
